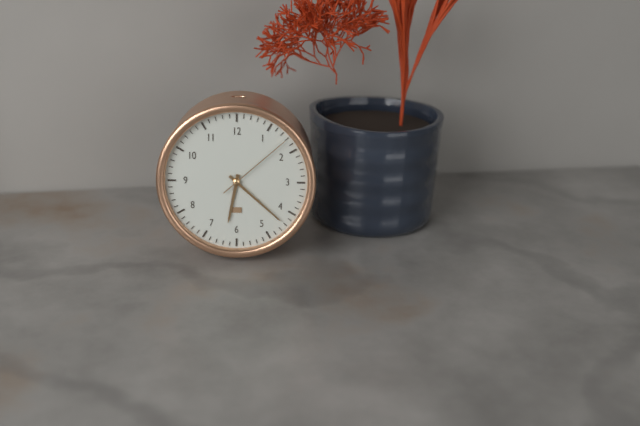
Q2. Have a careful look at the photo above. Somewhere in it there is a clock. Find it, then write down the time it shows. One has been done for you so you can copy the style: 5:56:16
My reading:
6:22:08
